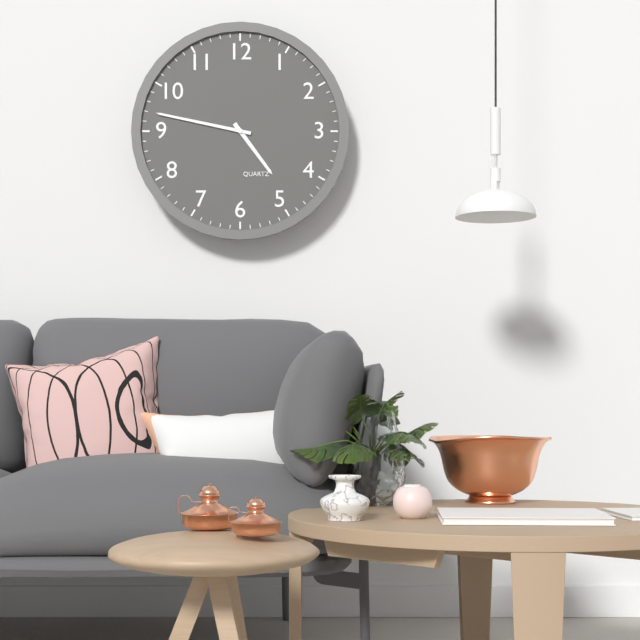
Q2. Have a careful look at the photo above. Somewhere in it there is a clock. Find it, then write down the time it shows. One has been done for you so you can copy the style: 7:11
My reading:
4:47
